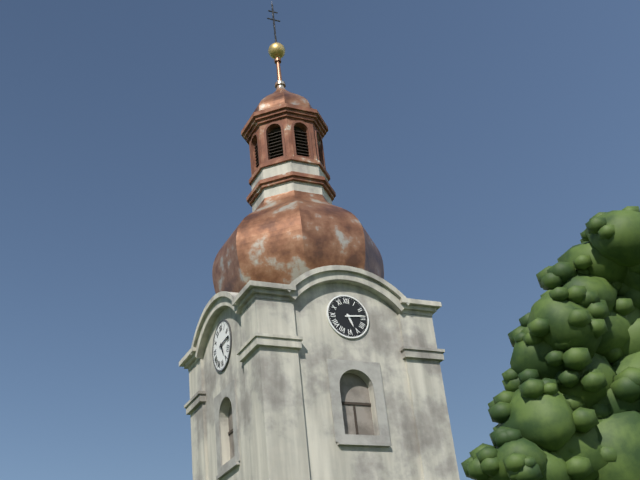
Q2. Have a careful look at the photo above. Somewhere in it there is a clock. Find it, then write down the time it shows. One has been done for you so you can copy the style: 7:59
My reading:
5:14
